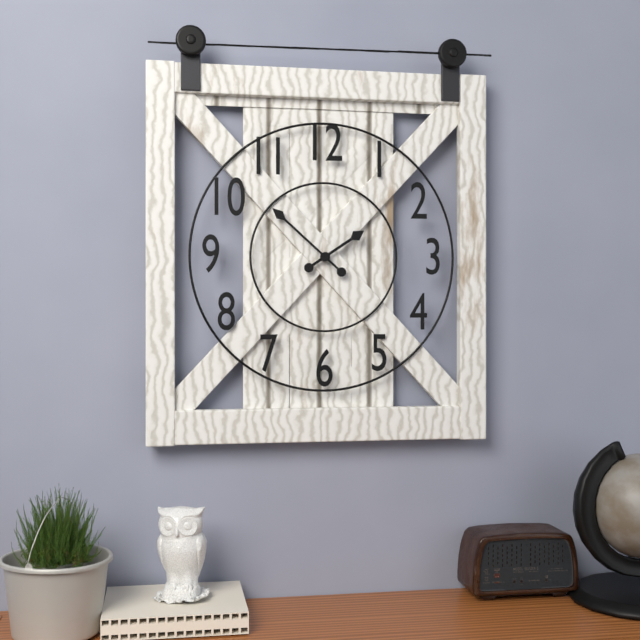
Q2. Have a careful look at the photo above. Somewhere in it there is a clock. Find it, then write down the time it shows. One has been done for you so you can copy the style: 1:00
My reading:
1:52
